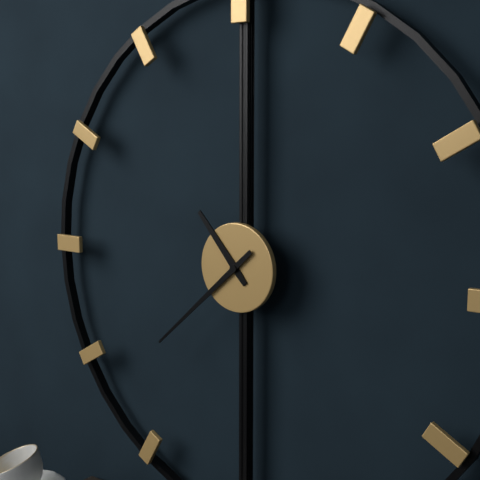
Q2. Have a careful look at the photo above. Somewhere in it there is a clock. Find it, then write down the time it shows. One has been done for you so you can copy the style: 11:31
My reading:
10:38
